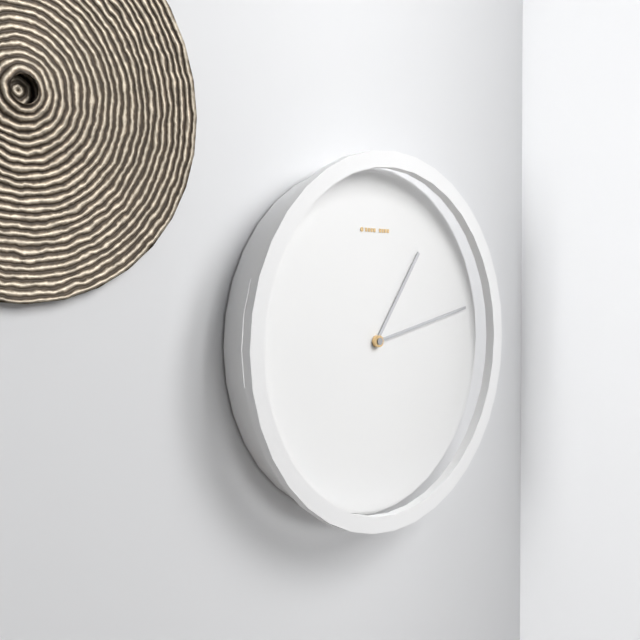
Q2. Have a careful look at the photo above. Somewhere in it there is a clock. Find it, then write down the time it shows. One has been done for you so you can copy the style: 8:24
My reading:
1:13
